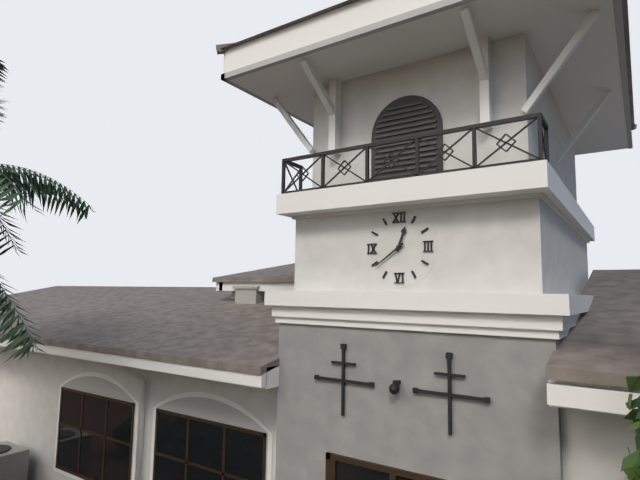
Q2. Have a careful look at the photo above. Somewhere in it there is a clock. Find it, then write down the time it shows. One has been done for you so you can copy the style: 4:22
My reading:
12:39
